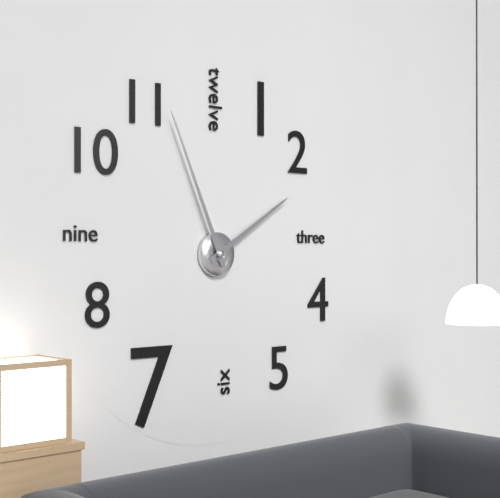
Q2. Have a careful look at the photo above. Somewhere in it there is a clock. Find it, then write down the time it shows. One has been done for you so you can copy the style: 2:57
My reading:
1:56
